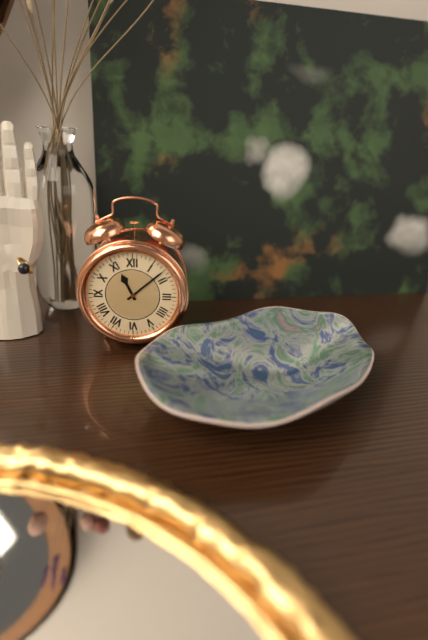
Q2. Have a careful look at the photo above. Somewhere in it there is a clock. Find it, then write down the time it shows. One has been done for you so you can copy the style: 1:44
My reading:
11:08
